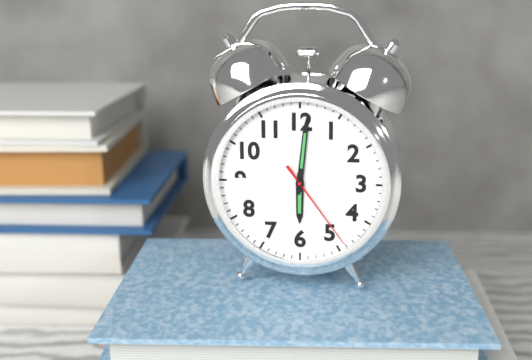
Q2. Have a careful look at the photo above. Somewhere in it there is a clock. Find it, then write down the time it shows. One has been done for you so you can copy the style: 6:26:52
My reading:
6:01:24
